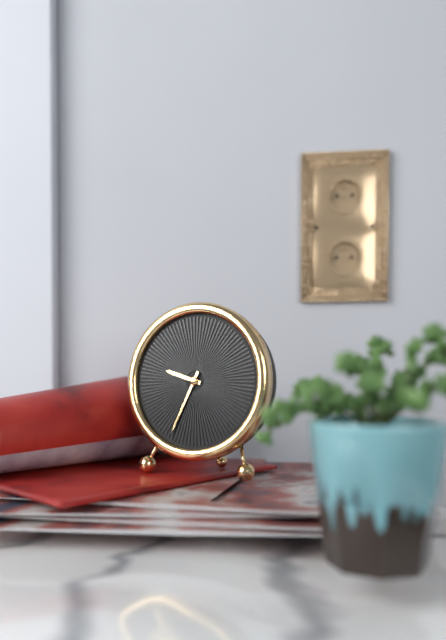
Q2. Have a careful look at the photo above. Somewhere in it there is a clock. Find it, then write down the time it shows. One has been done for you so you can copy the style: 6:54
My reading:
9:34
